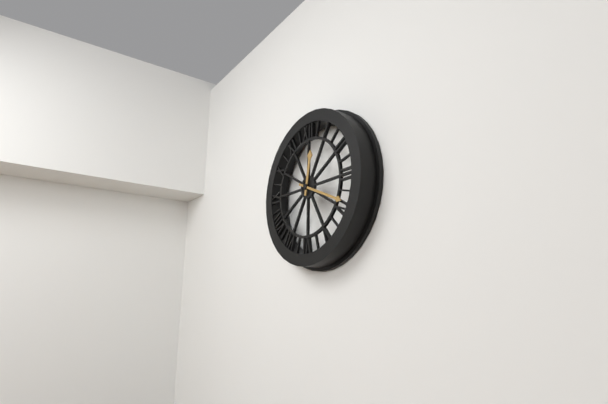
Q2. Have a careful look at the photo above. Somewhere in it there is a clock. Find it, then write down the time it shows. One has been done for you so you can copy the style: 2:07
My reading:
12:19
